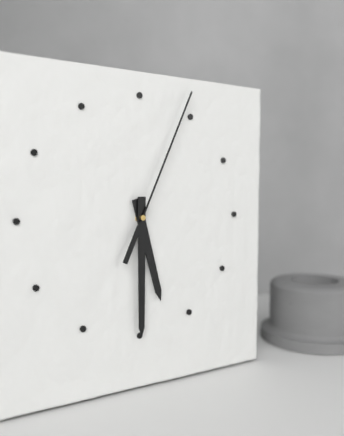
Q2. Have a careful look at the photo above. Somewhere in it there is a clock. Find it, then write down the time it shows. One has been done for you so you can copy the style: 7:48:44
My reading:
5:30:04
